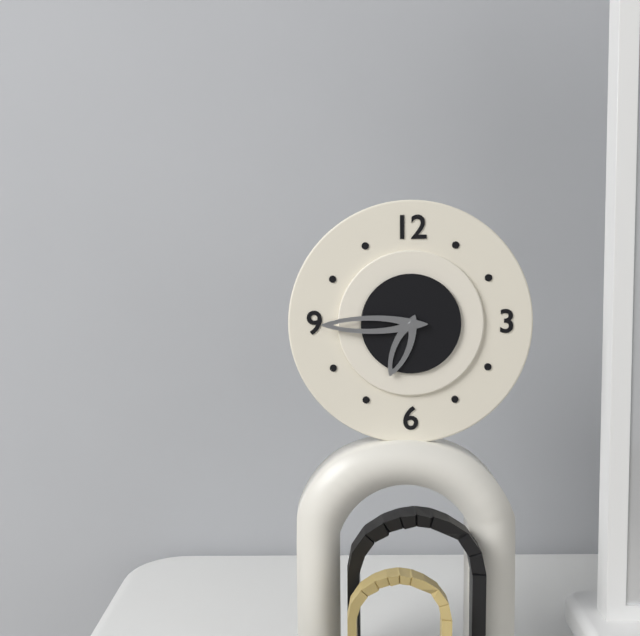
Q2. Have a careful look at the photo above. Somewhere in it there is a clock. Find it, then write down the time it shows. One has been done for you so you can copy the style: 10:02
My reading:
6:45
